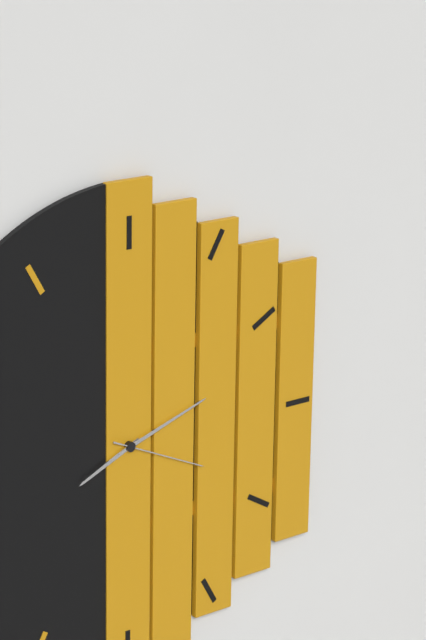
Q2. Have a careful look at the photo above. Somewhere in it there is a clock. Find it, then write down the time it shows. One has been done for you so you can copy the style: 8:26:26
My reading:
8:12:19
